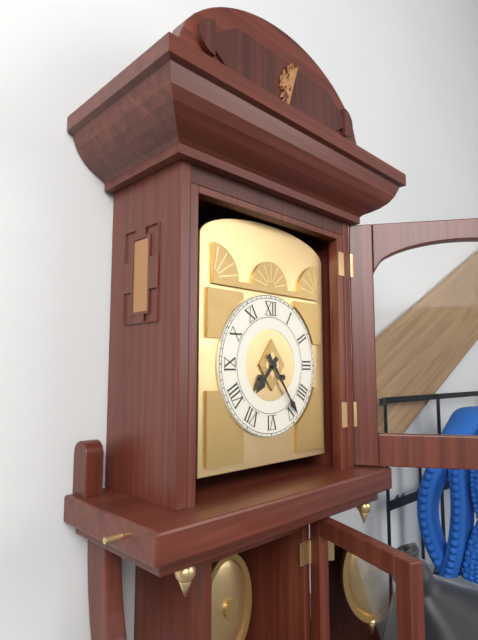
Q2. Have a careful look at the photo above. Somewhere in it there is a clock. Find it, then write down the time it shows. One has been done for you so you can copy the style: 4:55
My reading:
7:24
